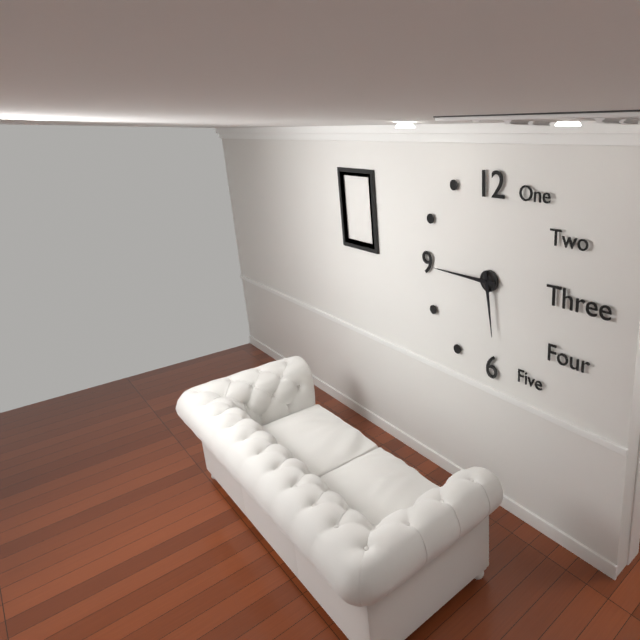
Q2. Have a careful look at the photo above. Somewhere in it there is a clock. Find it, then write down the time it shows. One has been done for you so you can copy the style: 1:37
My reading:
5:45
